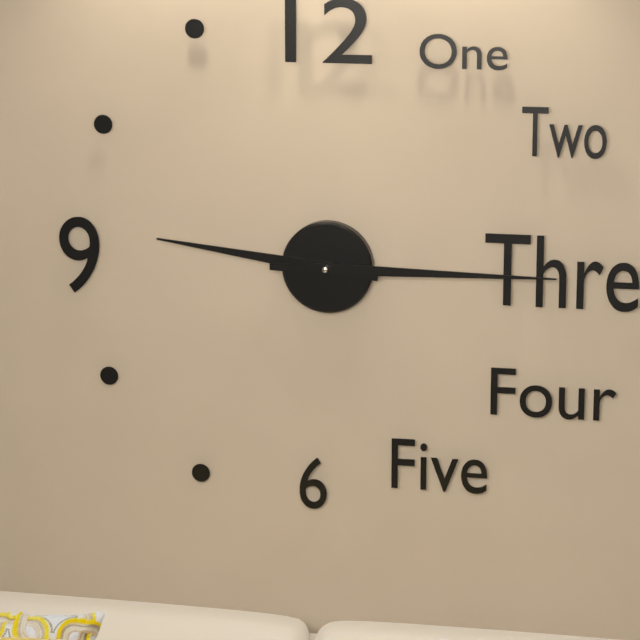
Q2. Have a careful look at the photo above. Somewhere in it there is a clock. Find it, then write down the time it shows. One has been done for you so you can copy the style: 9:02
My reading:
9:15
